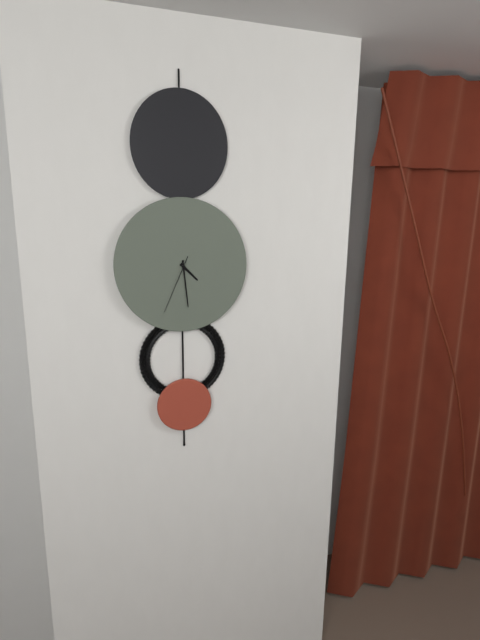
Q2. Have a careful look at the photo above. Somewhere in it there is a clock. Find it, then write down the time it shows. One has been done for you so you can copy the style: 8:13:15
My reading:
4:29:34
